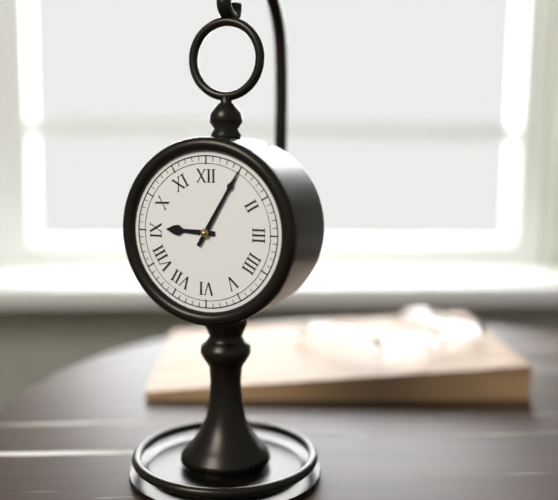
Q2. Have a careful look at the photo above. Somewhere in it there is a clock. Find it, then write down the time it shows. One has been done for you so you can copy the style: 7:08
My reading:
9:05
